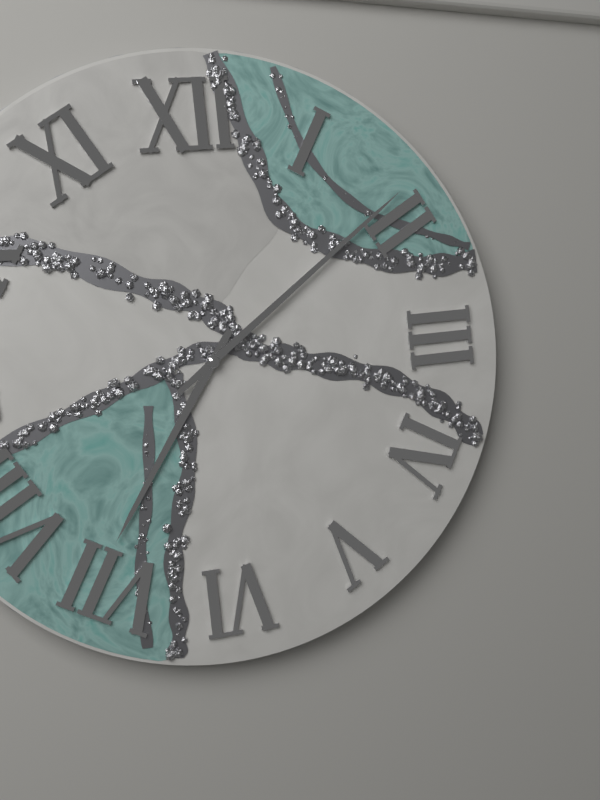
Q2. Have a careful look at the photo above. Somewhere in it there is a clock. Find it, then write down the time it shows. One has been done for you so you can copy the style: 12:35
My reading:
7:09
